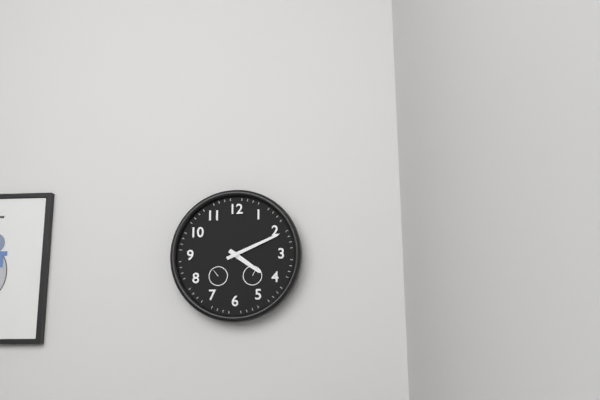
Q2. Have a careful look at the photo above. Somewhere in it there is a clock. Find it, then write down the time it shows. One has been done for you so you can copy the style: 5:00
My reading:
4:11
